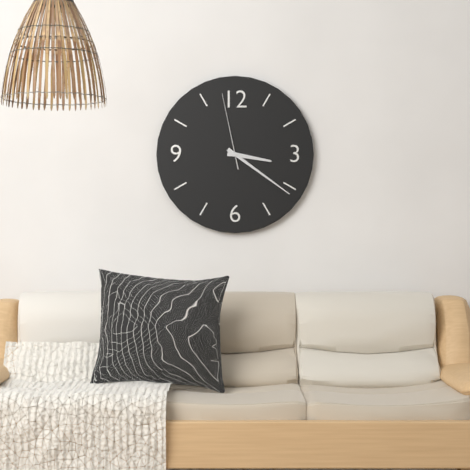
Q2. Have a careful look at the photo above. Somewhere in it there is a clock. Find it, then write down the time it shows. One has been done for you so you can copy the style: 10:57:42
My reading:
3:21:58
